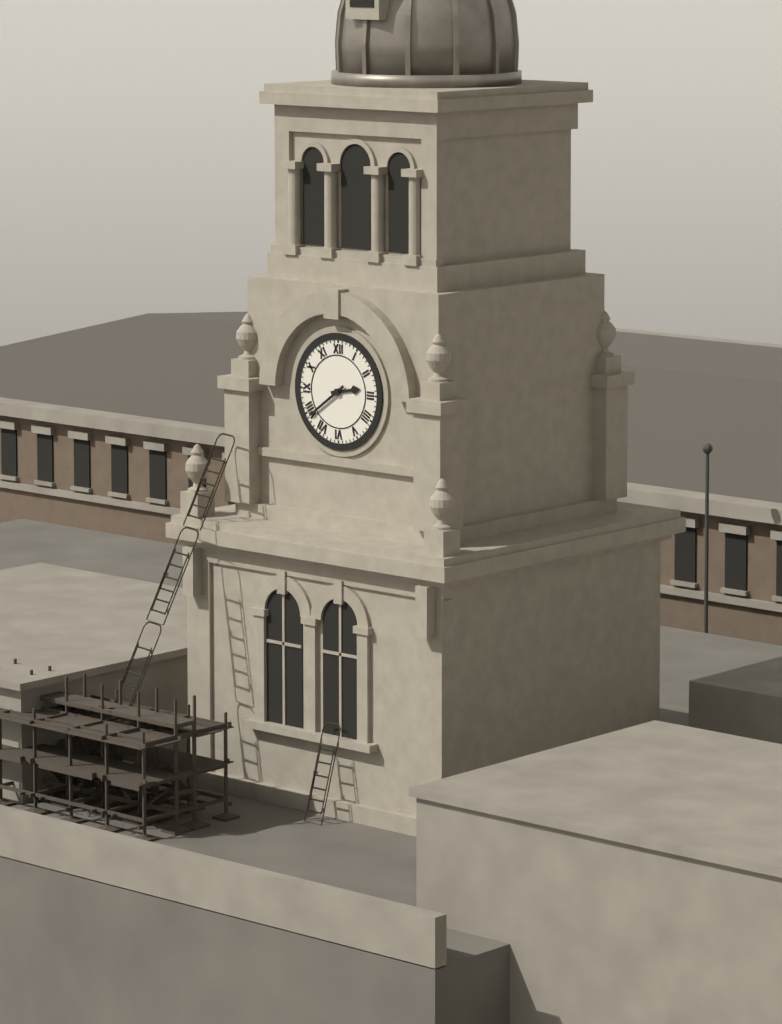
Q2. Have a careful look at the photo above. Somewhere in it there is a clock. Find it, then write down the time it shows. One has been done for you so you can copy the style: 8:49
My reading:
2:39
